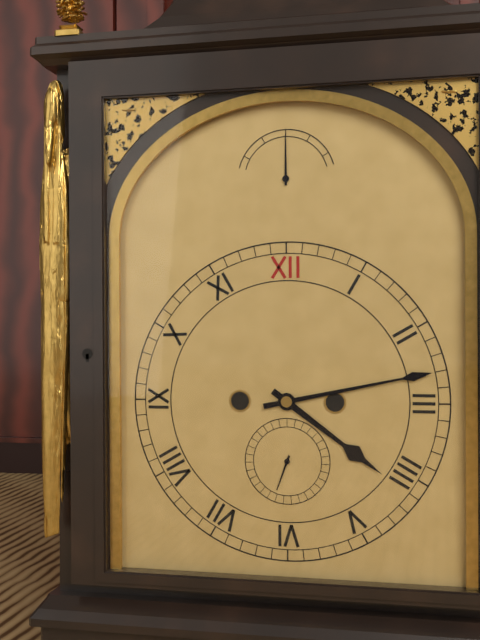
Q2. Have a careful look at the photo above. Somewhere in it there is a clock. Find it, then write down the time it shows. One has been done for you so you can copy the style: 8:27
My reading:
4:13
